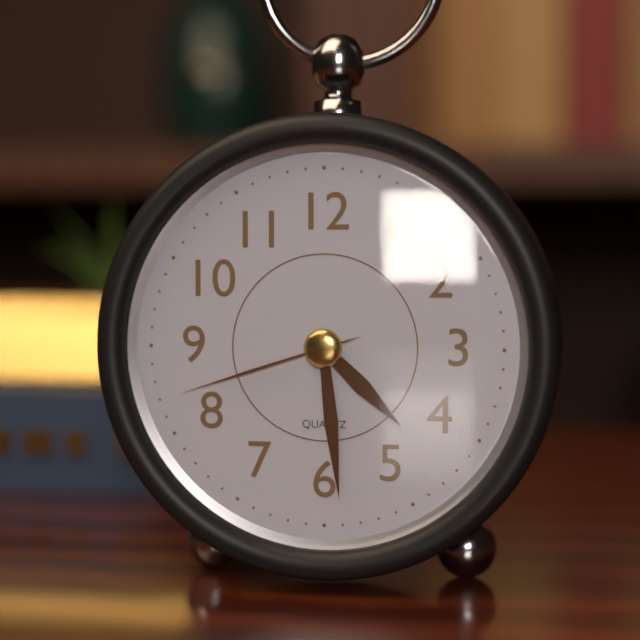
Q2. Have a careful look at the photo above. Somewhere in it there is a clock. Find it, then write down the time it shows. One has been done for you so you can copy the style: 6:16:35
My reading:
4:29:42
